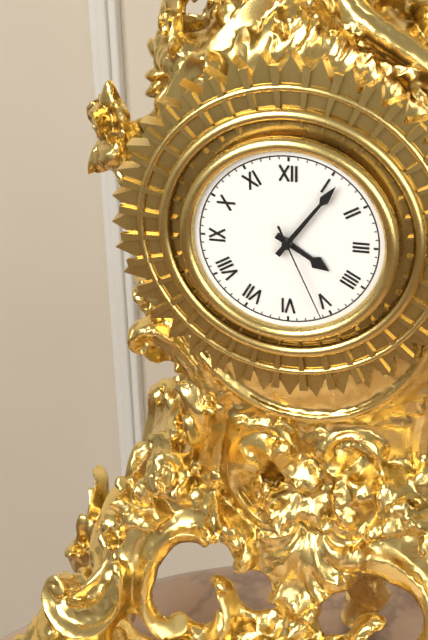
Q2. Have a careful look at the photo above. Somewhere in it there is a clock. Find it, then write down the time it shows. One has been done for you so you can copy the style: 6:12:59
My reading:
4:06:26
